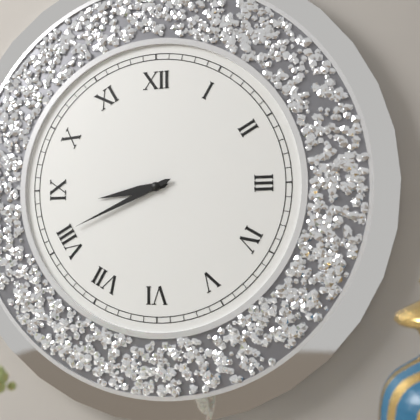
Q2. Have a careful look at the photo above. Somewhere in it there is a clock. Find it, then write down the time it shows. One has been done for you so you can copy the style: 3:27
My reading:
8:41
